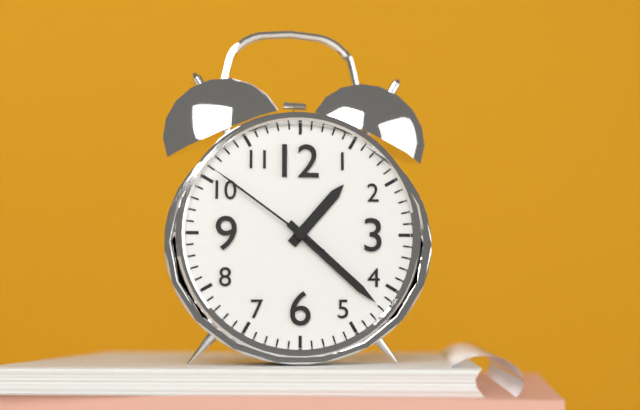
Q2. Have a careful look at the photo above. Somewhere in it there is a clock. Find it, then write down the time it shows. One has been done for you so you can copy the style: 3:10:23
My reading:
1:22:51
